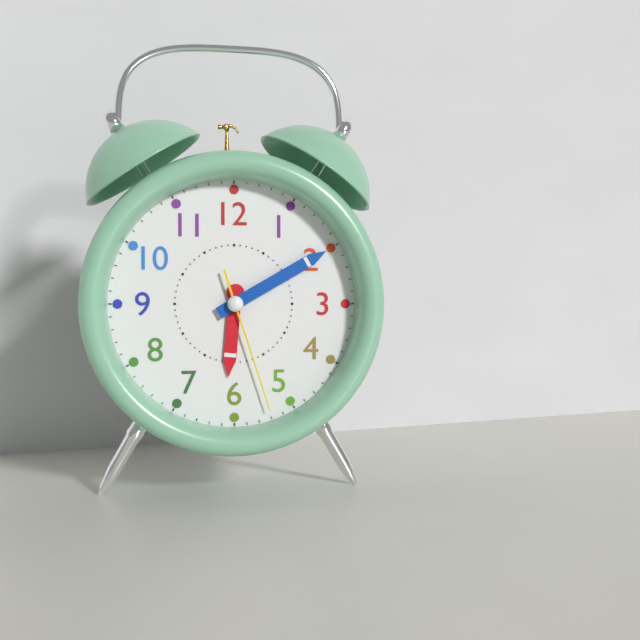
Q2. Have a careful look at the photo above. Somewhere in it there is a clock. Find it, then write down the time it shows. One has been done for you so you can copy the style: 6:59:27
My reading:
6:10:27
